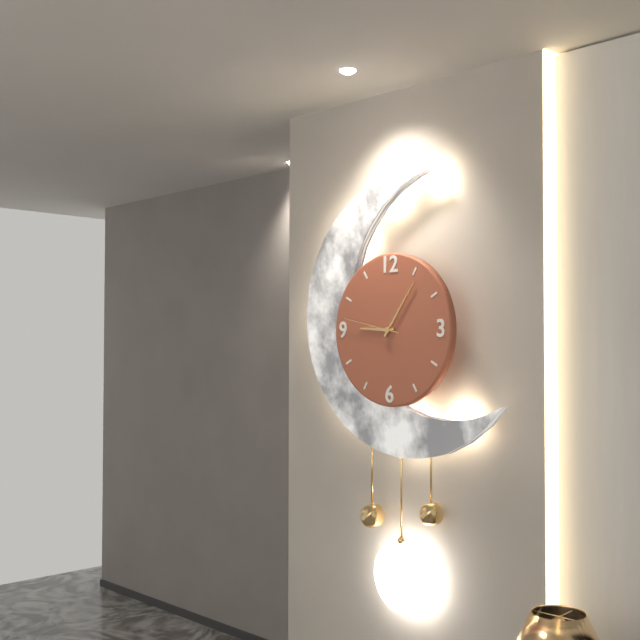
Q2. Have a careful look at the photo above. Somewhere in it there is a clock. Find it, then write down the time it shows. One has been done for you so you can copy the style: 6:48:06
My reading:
9:06:47
